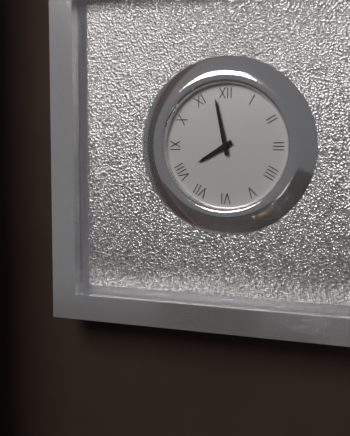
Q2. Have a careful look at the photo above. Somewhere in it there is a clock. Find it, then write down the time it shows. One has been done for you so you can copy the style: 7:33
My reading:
7:58
